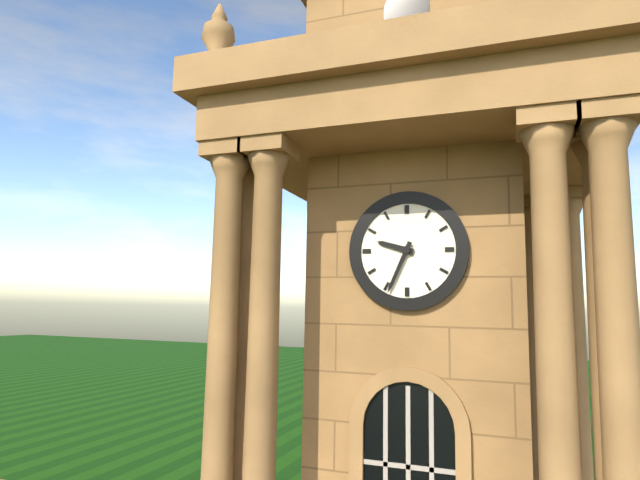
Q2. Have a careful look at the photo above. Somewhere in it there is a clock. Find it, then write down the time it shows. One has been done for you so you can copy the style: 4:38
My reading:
9:34
